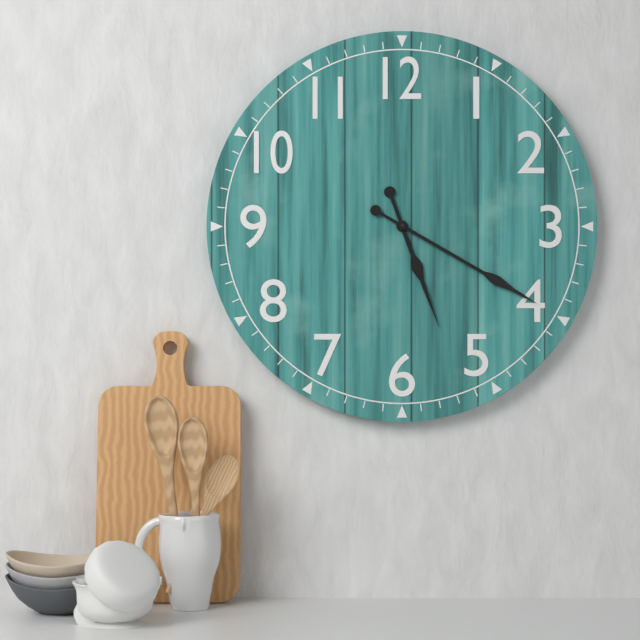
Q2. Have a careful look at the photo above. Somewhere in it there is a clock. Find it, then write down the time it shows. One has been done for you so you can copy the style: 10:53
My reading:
5:20
